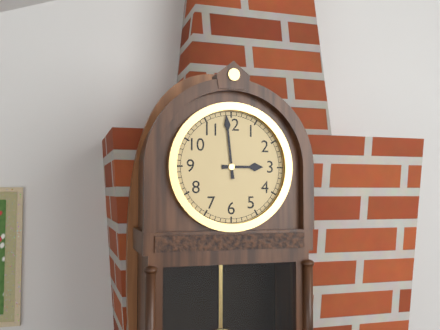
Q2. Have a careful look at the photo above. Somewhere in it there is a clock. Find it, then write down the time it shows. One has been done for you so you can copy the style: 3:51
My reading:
2:59
